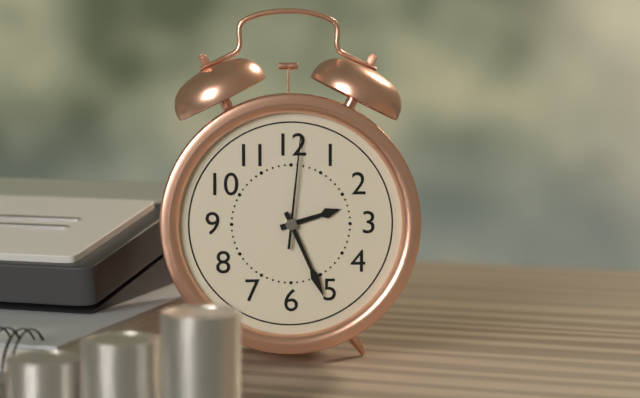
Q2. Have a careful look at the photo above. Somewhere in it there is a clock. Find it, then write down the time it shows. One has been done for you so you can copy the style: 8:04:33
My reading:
2:26:01
